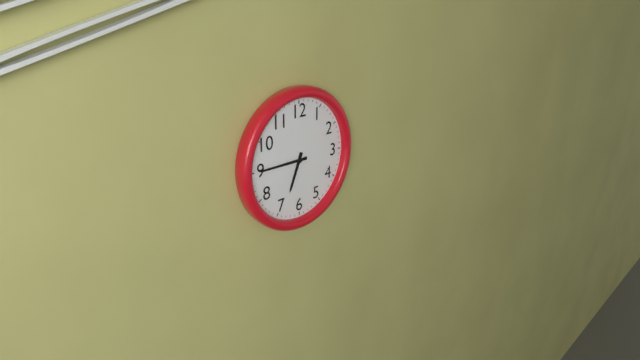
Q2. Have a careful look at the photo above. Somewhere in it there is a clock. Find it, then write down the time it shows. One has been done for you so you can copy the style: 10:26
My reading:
6:45
